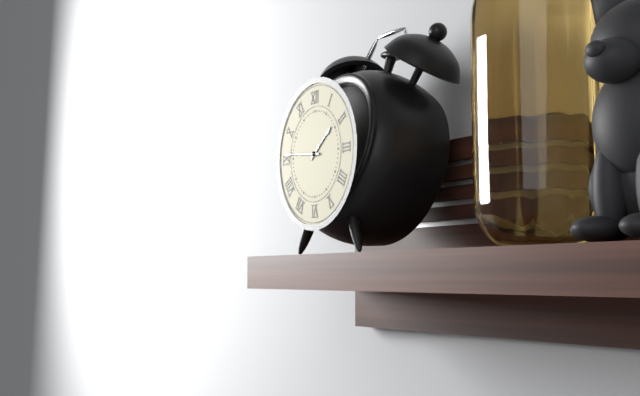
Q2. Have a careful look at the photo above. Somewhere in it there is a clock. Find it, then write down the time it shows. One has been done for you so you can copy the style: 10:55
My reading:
1:46
